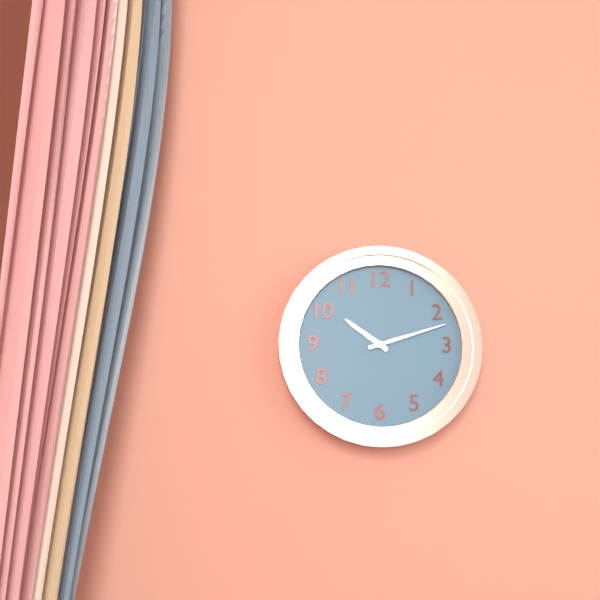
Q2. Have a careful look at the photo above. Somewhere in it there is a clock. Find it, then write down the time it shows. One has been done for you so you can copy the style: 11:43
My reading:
10:12
